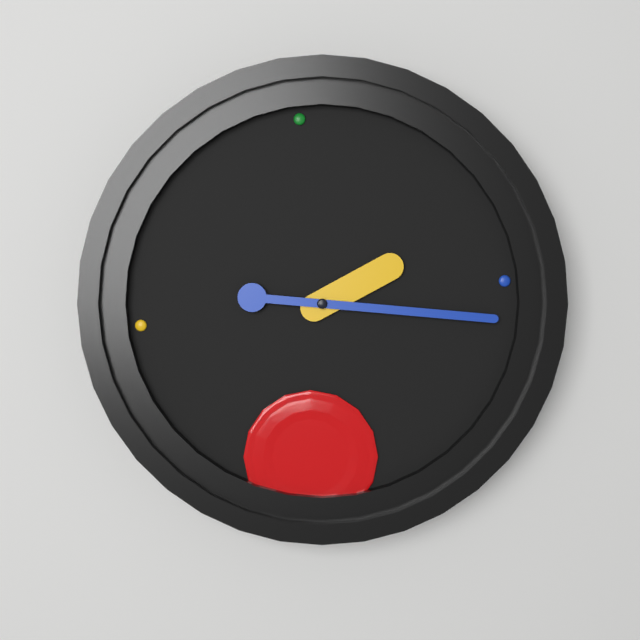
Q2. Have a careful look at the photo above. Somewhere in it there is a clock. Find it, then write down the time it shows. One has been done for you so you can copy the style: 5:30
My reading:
2:17
